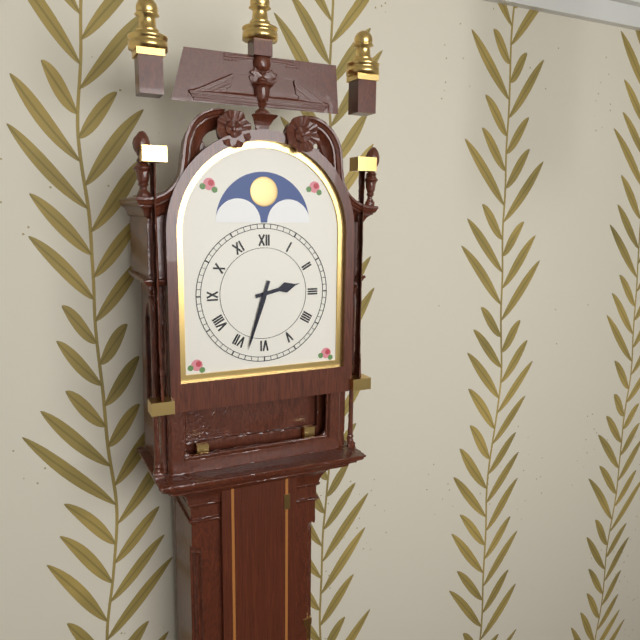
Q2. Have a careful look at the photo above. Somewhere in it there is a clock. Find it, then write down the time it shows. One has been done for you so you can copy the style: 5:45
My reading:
2:33
